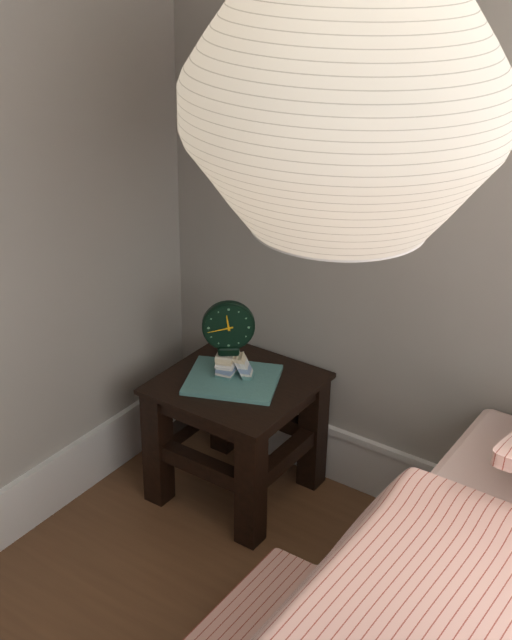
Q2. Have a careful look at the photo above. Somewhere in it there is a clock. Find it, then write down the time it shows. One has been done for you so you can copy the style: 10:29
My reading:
11:43
